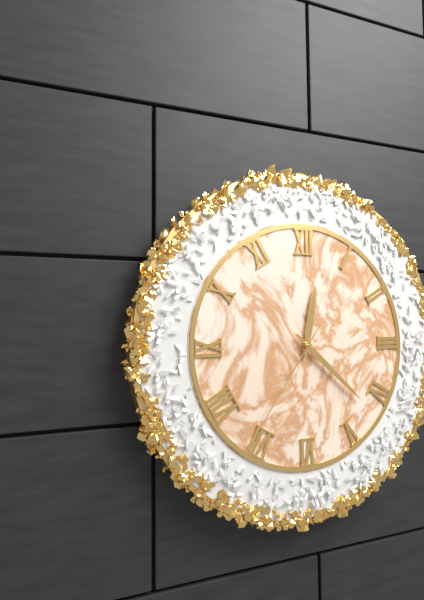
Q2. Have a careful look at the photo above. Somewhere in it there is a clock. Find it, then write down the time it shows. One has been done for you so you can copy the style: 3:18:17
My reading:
12:22:36
